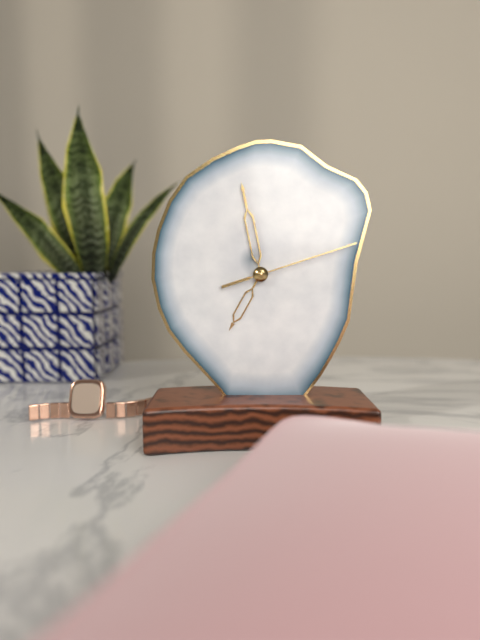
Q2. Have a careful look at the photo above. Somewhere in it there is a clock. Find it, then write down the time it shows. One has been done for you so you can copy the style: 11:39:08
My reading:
6:58:12
